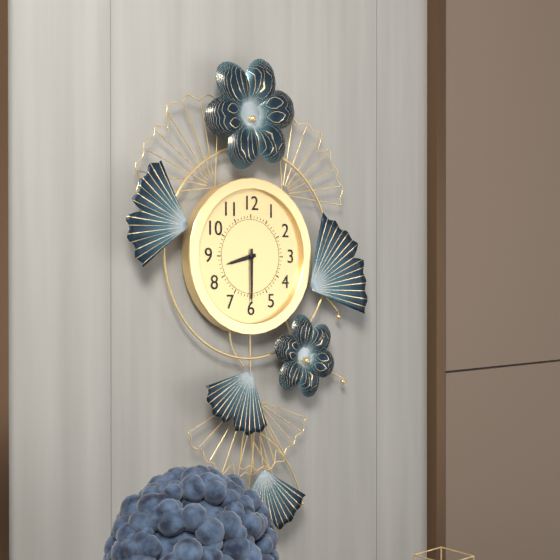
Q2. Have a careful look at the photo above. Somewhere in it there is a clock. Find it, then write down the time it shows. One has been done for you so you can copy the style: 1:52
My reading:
8:30
